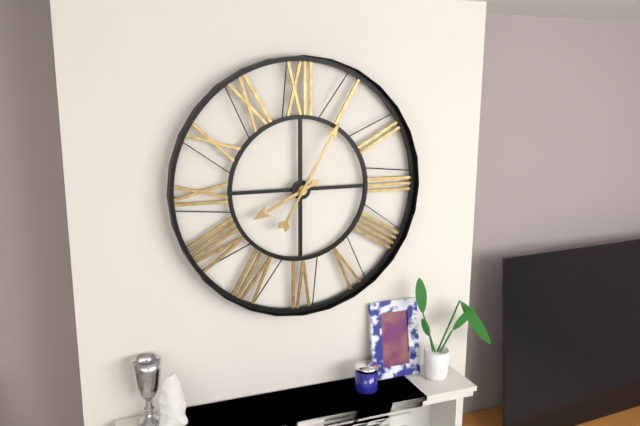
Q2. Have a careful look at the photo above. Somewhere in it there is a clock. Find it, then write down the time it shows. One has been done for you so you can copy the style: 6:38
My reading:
8:05
